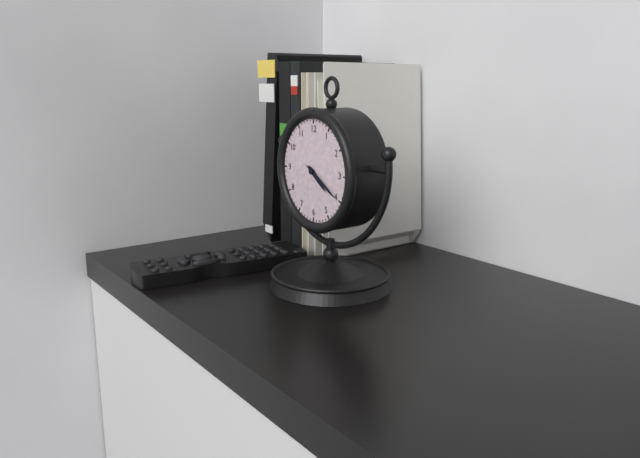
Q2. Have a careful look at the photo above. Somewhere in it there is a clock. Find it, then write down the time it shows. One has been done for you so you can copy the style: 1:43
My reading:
4:20
